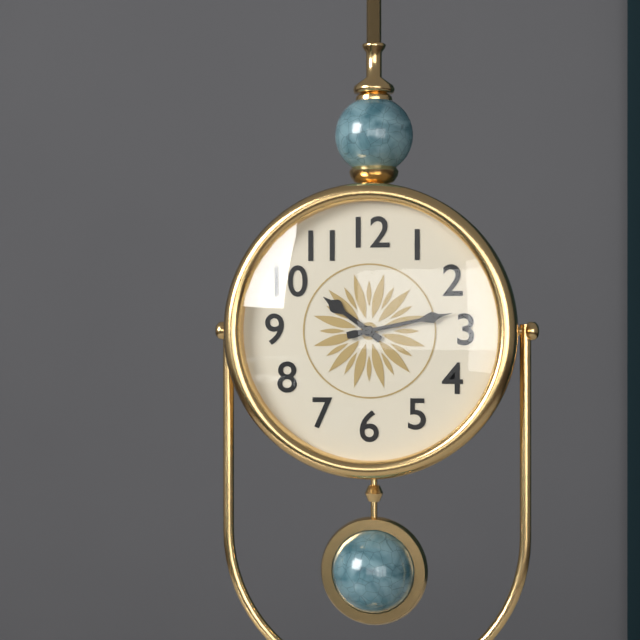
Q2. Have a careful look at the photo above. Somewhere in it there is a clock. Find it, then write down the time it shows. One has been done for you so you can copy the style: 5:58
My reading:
10:13
